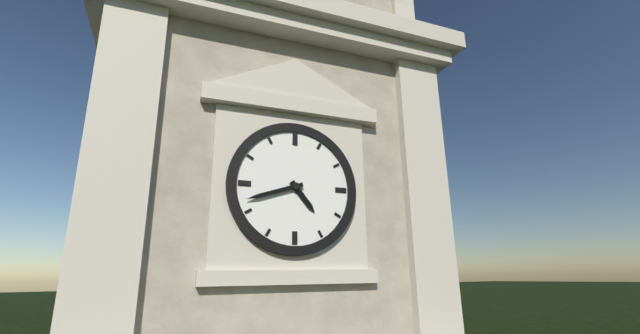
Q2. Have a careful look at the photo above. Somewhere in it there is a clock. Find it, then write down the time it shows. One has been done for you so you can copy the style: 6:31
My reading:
4:42
